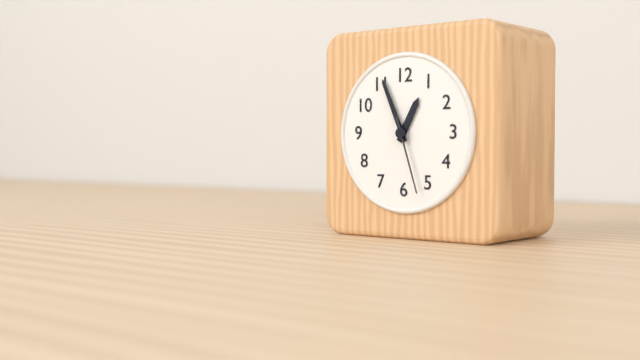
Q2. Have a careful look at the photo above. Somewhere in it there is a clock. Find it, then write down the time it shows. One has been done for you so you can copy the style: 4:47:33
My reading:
12:56:27
